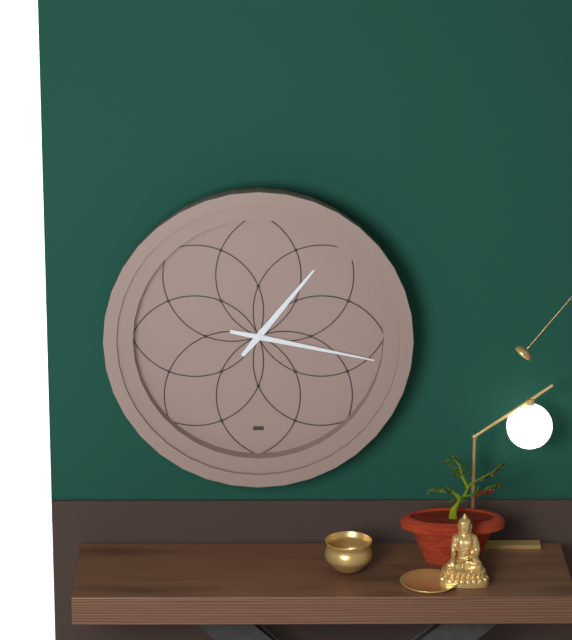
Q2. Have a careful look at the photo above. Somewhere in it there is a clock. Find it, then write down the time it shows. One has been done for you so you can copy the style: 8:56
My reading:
1:17
